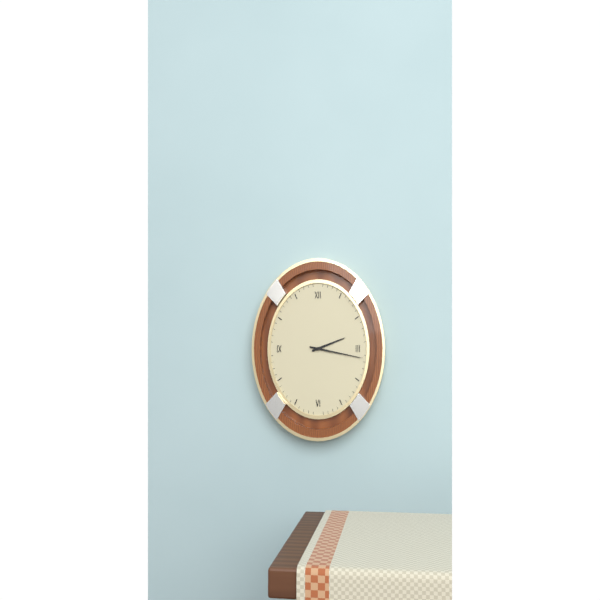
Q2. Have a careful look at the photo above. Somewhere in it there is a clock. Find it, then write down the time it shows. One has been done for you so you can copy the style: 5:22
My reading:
2:17
